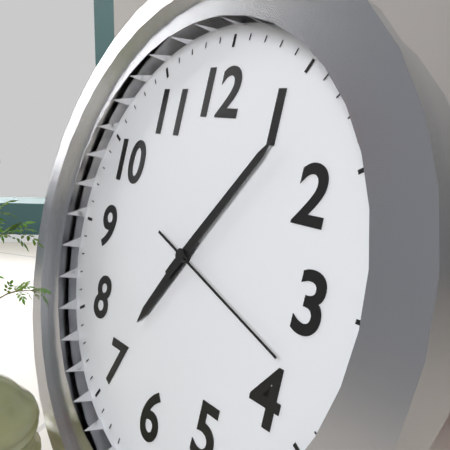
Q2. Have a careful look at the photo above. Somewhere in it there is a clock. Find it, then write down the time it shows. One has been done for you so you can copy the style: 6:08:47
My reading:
7:06:18
